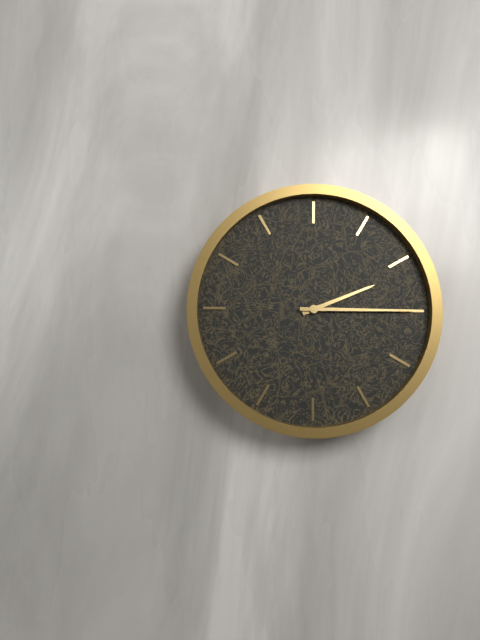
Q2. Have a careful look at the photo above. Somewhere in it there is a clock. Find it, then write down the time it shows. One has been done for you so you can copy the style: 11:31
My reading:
2:15
